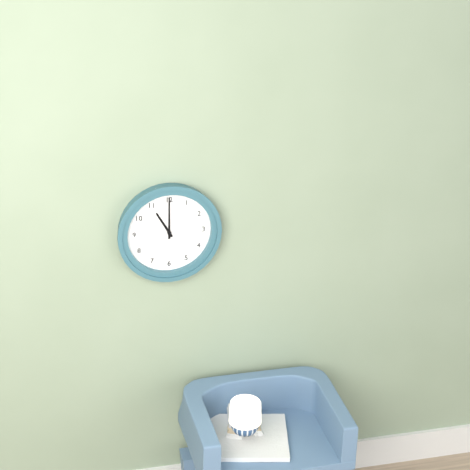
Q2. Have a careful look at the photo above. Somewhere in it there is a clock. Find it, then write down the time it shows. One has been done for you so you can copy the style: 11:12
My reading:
11:00
